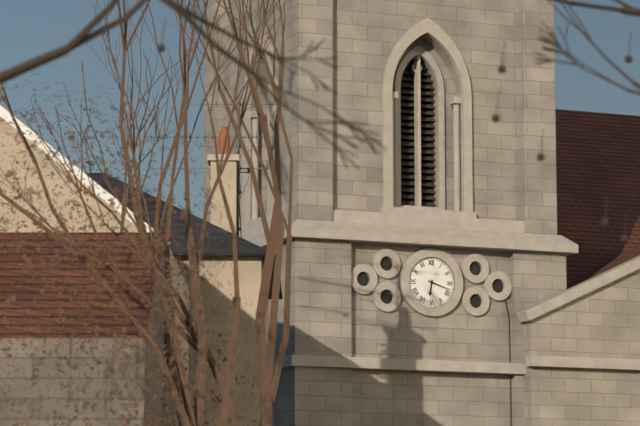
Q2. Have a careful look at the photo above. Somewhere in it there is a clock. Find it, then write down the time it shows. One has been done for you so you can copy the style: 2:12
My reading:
6:18
